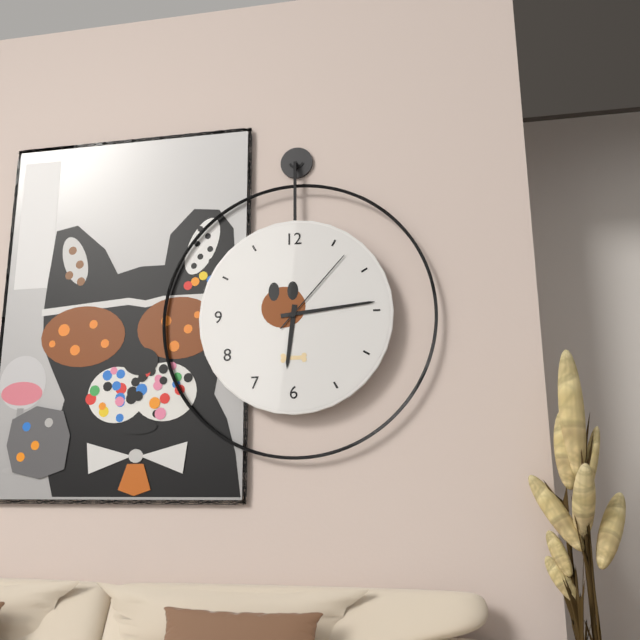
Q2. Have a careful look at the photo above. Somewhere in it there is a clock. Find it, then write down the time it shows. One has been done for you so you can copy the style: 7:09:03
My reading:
6:14:07
